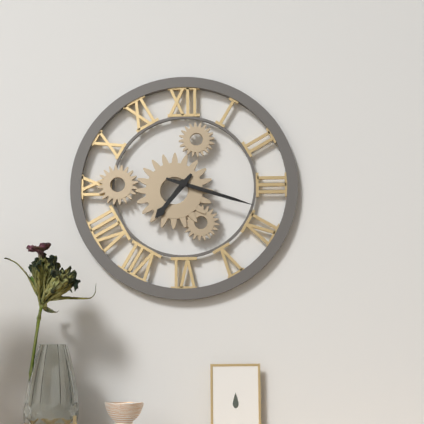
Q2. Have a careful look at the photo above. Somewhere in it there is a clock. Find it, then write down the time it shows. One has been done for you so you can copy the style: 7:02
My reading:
7:18
